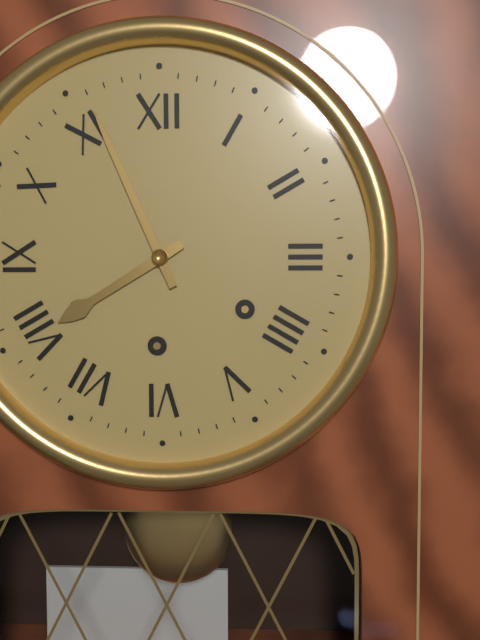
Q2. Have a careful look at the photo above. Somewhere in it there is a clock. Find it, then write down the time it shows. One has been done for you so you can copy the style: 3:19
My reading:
7:56
